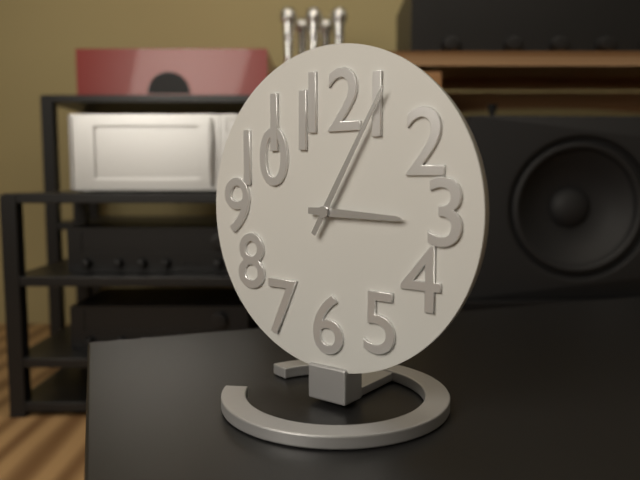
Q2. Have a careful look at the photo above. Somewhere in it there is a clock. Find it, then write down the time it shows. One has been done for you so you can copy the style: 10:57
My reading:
3:05
